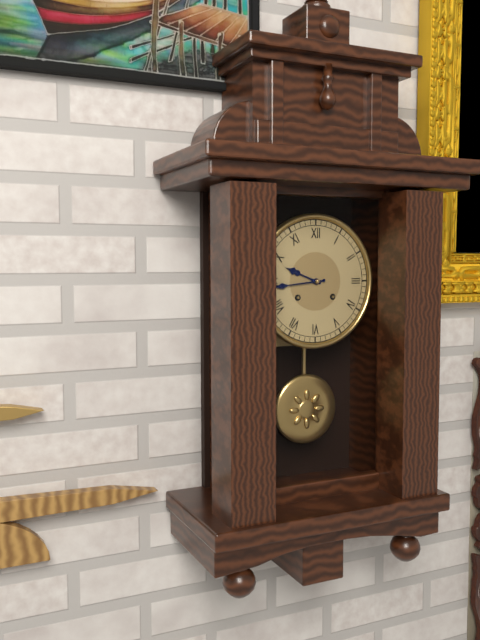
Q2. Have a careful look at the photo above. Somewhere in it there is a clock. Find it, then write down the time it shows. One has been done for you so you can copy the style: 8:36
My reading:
9:44
